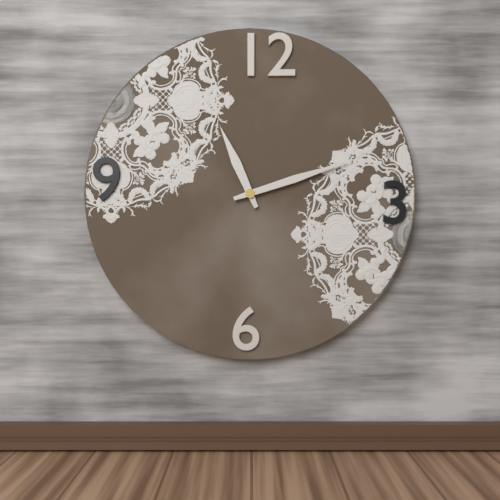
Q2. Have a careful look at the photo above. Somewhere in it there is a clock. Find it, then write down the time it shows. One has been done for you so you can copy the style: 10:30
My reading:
11:12
